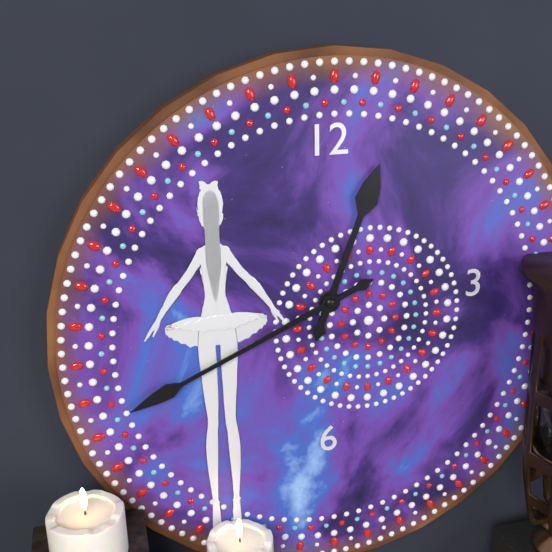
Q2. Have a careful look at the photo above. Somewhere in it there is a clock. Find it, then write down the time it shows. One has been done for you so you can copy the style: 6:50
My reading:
12:41
